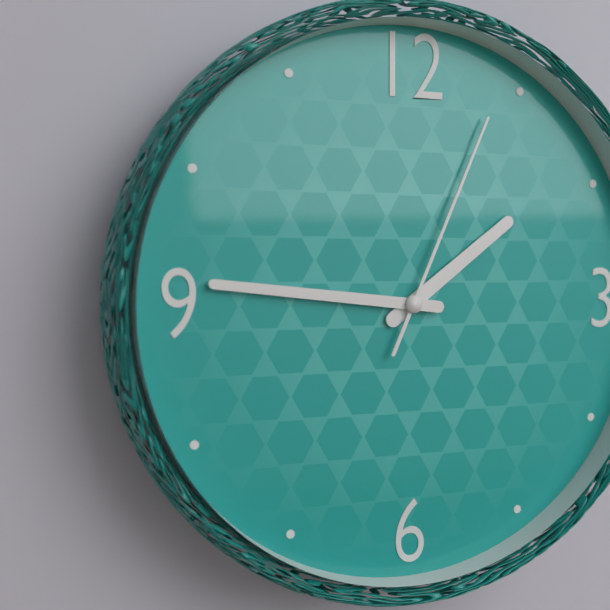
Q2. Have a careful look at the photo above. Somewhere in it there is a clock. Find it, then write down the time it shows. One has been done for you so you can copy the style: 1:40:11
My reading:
1:46:04
